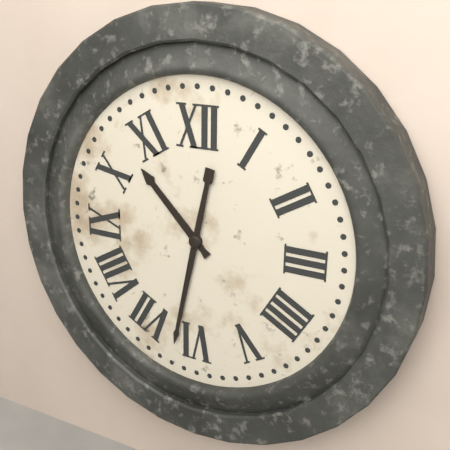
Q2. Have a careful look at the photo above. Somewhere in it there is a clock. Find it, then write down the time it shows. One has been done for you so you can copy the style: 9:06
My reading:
10:32
